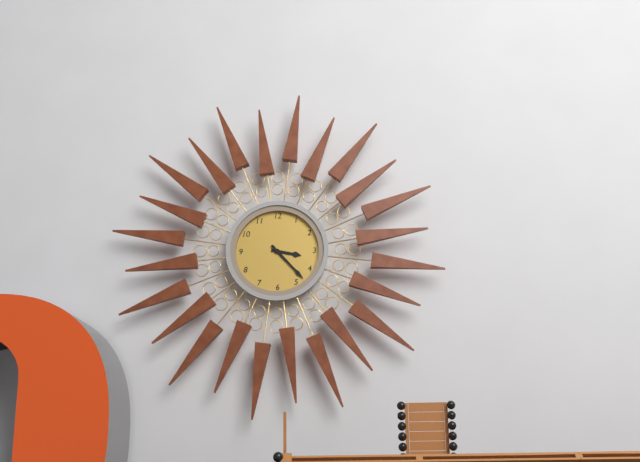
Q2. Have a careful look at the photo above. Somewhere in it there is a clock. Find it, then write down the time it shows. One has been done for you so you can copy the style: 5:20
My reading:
3:23
